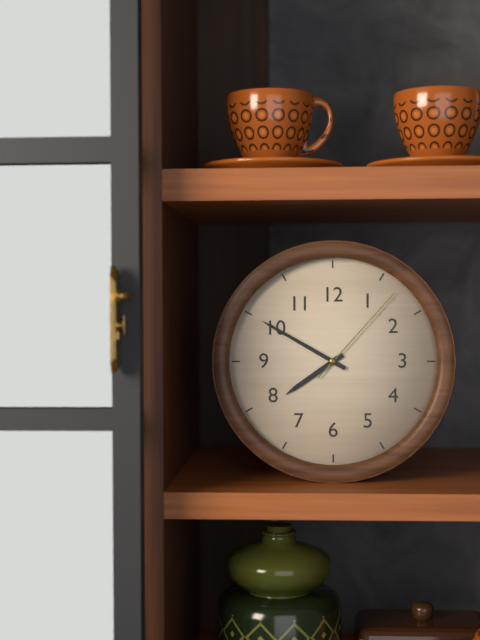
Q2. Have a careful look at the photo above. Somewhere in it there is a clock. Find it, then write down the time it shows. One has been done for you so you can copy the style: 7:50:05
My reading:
7:50:07
